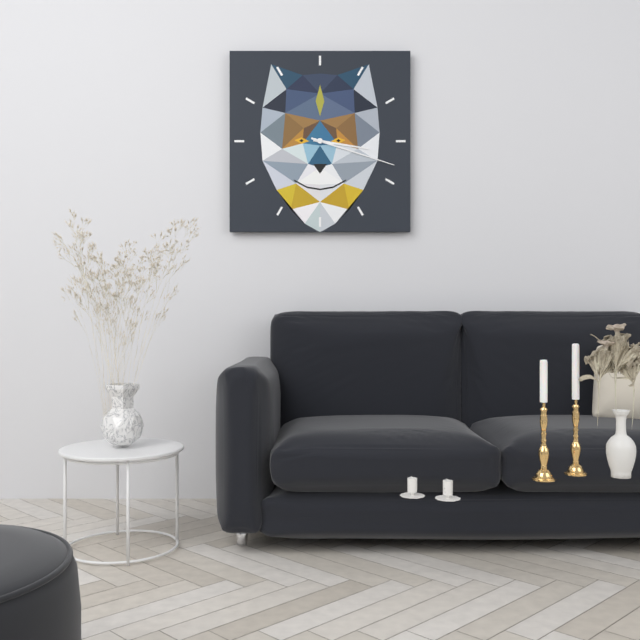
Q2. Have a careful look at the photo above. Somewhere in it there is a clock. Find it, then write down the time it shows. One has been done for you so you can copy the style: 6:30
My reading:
3:18
